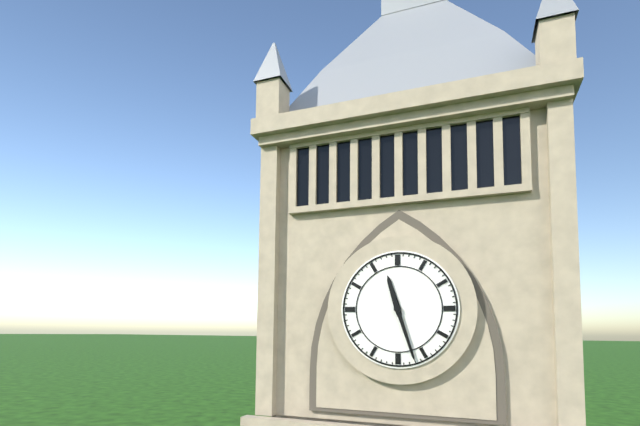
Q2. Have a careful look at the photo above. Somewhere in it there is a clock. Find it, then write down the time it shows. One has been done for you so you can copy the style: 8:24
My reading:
11:27
